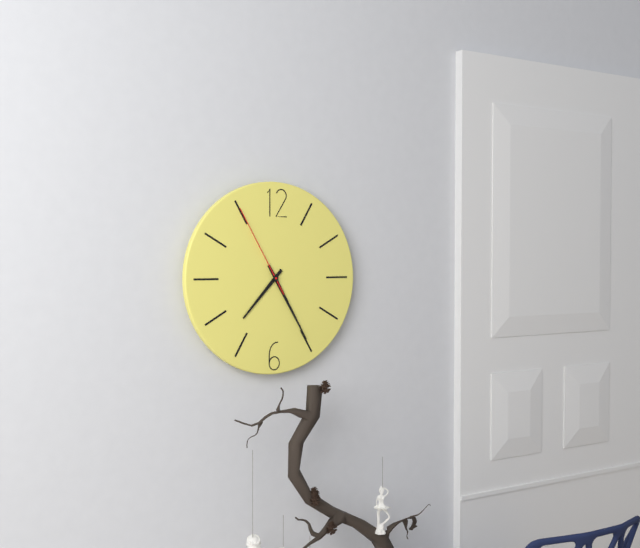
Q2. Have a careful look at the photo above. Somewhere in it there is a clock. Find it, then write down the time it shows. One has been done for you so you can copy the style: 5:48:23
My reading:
7:25:55
